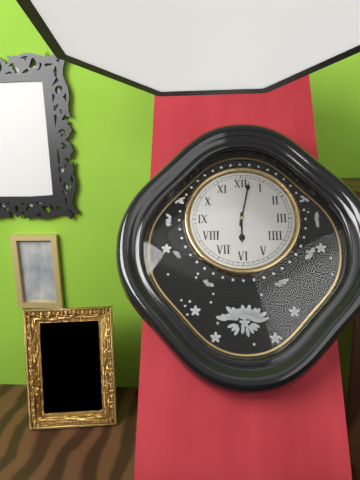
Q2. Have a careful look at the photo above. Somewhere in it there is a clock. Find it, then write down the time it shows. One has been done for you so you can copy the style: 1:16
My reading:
6:02
